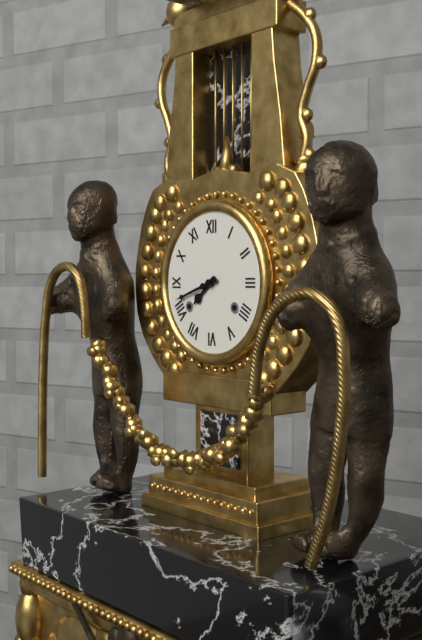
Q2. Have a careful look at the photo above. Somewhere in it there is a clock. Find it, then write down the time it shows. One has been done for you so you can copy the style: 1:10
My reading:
7:42
